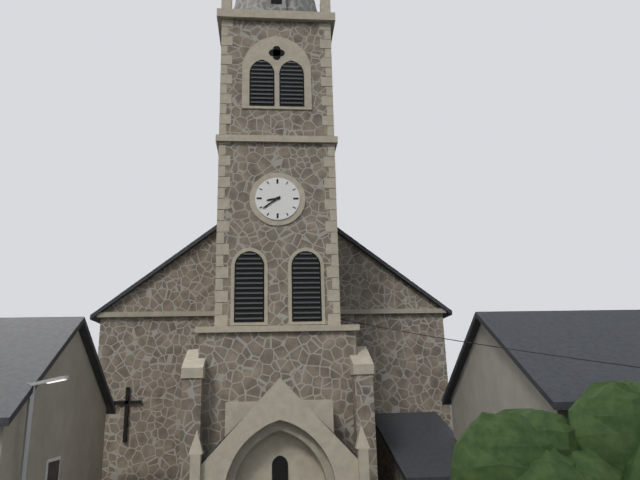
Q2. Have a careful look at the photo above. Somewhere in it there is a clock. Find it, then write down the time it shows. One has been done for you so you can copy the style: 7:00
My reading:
8:39
